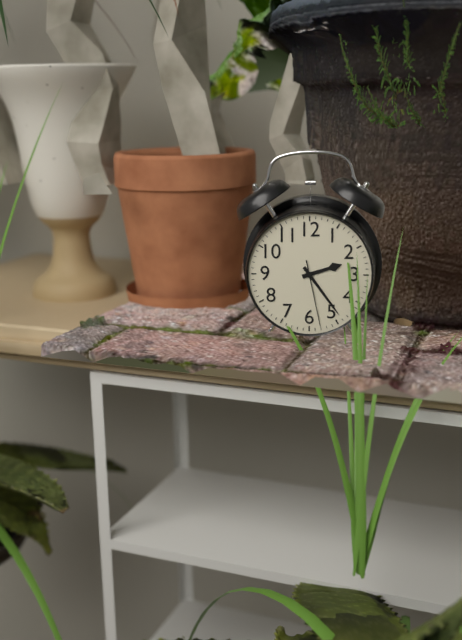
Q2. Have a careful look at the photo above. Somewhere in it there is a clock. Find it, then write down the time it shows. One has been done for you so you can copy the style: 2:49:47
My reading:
2:24:28
